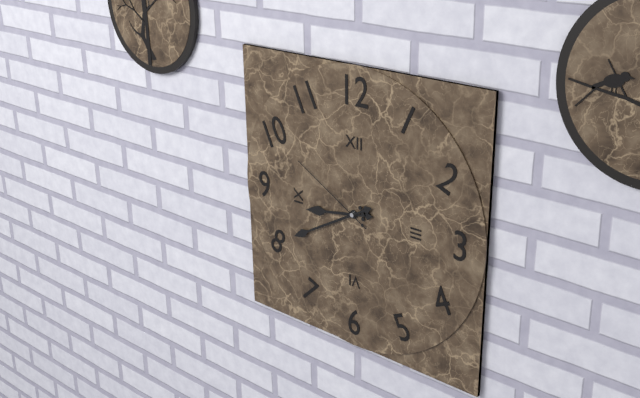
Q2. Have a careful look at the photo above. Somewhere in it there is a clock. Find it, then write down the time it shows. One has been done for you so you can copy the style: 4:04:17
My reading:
8:40:50
